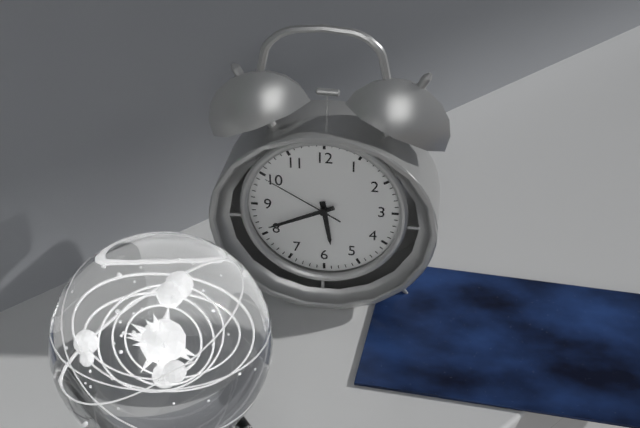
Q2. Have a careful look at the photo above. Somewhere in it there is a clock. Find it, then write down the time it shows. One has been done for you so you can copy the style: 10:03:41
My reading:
5:41:50
